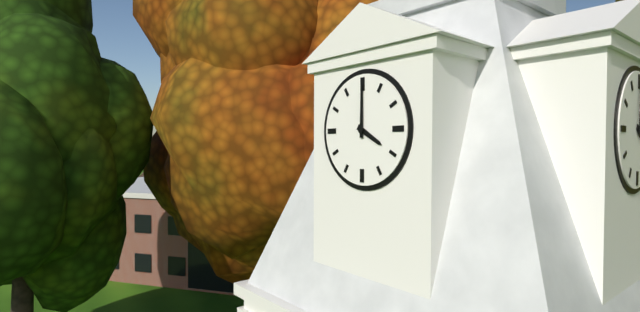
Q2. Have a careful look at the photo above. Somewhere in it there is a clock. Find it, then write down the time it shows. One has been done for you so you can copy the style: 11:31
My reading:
4:00
